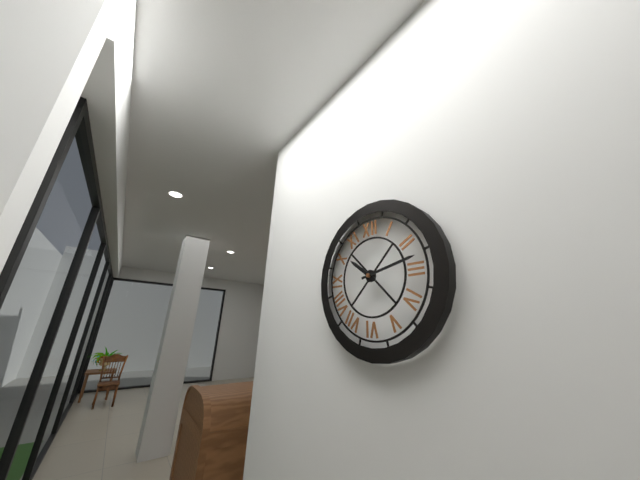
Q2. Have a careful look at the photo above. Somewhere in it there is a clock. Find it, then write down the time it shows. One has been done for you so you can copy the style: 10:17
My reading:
10:13
